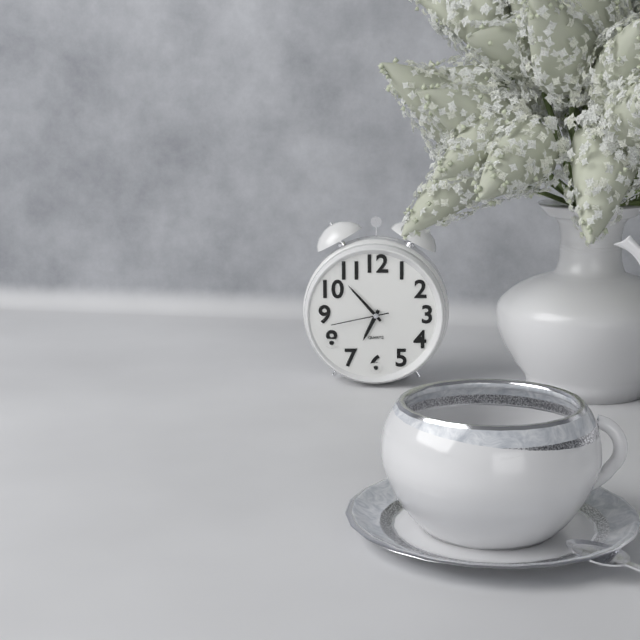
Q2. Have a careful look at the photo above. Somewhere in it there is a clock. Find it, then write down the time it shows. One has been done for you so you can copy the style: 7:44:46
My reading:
6:53:43
